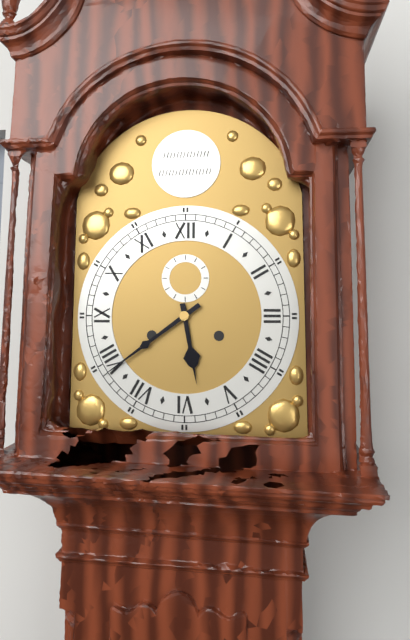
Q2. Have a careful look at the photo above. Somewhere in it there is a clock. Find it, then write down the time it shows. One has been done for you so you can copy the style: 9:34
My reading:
5:39
